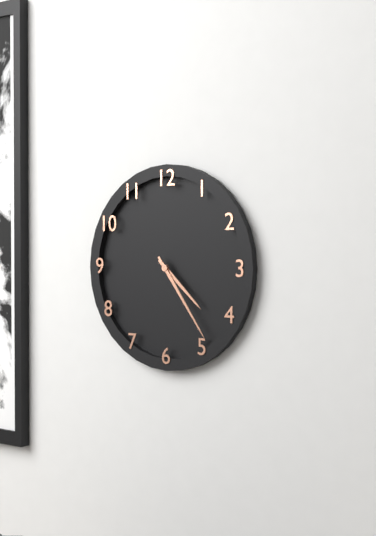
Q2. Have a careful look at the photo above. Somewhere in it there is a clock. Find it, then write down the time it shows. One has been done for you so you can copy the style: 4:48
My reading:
4:24
